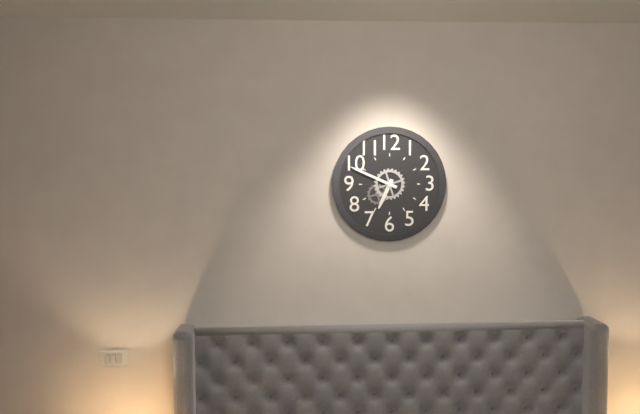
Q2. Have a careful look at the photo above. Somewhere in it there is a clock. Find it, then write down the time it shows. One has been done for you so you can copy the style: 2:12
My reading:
6:49
